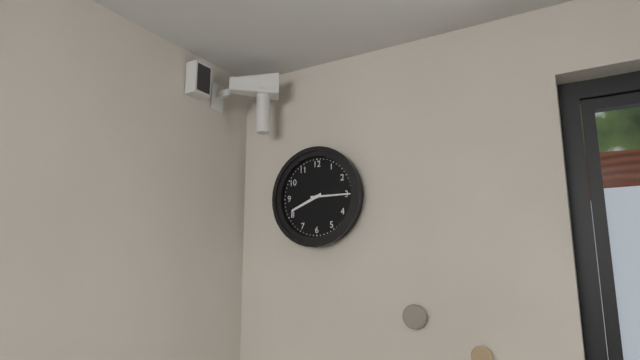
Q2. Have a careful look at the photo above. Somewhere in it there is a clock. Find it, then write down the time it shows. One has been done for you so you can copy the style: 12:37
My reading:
8:15
